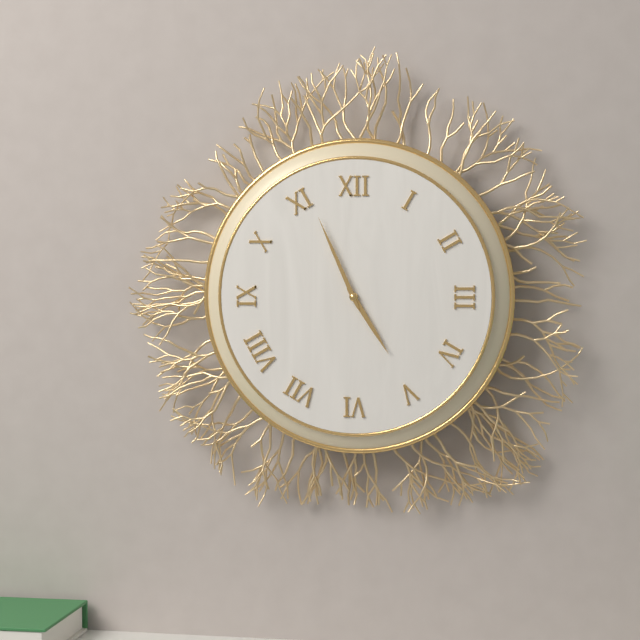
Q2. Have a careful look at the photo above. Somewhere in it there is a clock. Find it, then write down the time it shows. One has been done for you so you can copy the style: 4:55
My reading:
4:56
